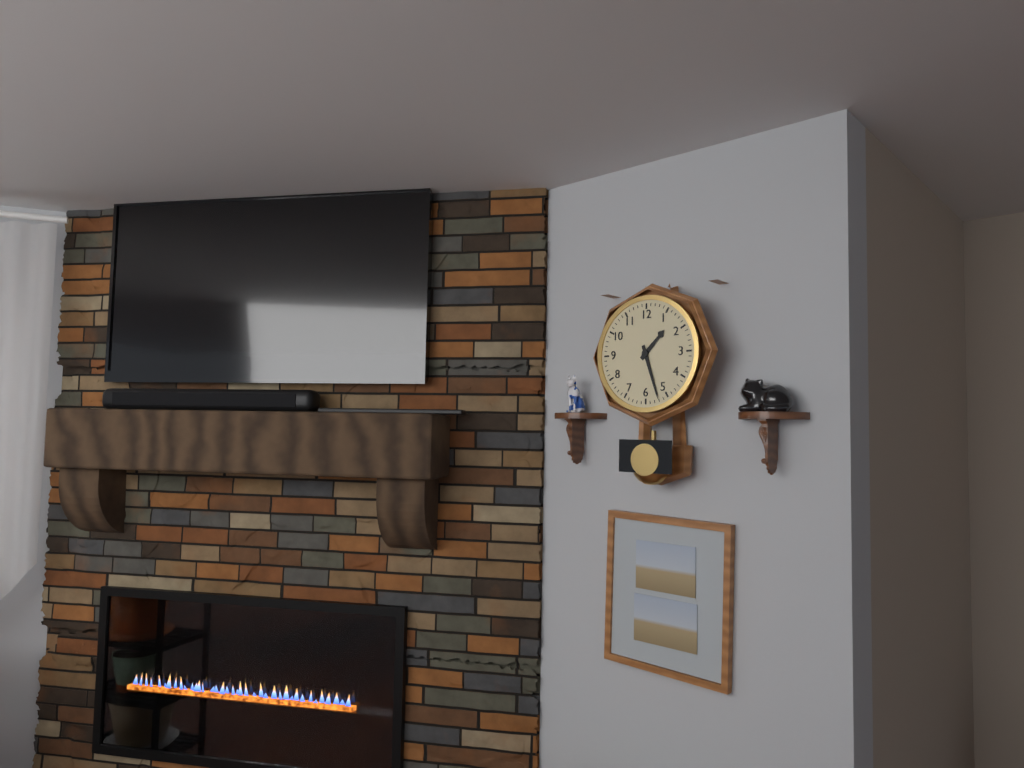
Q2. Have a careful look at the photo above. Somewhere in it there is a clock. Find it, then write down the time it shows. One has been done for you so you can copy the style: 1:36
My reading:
1:27
